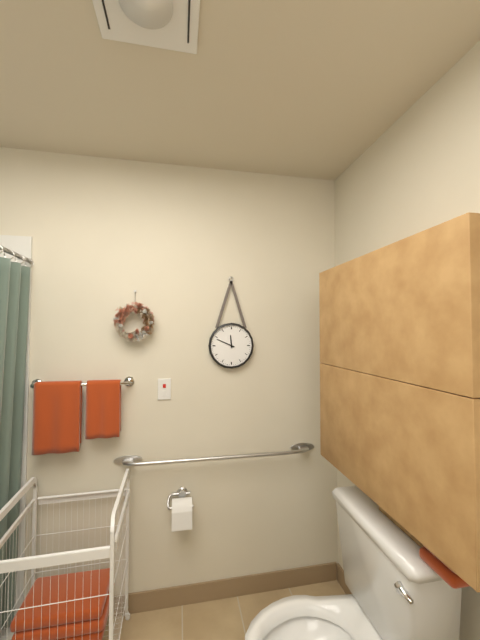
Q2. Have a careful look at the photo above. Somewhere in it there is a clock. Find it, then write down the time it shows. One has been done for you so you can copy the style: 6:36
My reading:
11:49
